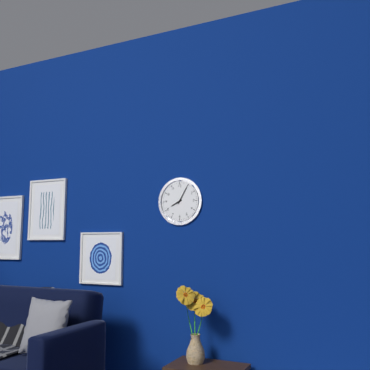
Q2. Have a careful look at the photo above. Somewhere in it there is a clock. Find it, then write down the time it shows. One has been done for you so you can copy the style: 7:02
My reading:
8:05
